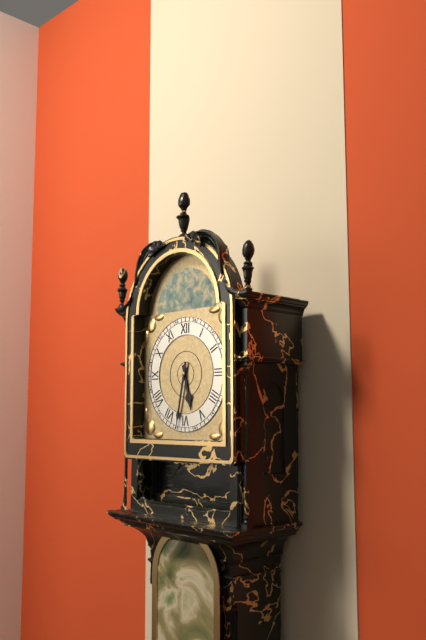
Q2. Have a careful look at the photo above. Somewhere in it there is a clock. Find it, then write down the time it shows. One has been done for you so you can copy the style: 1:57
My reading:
5:32
